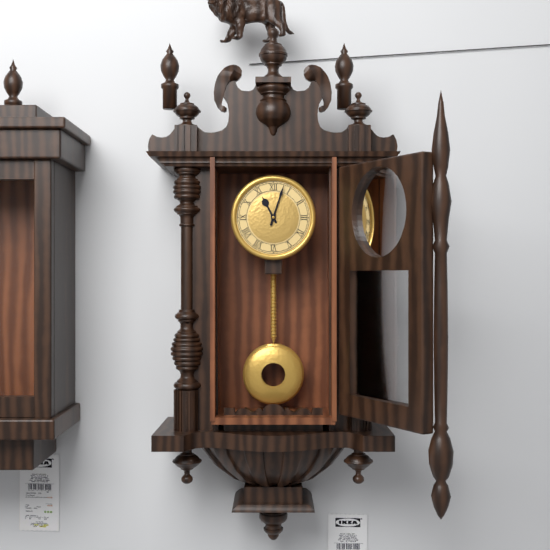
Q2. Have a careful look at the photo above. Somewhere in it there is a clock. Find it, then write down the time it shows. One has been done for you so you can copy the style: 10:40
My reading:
11:03
